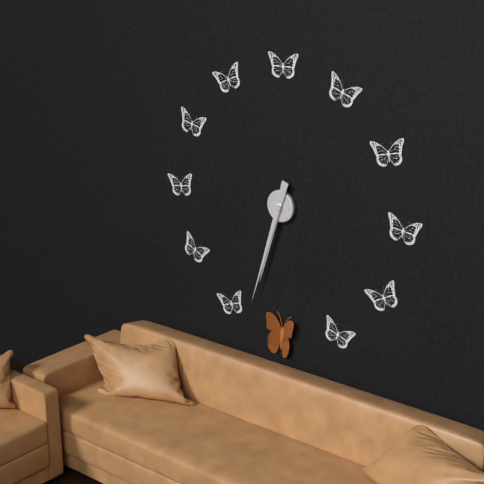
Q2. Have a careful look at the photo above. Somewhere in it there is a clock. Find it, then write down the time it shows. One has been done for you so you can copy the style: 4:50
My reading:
6:33
